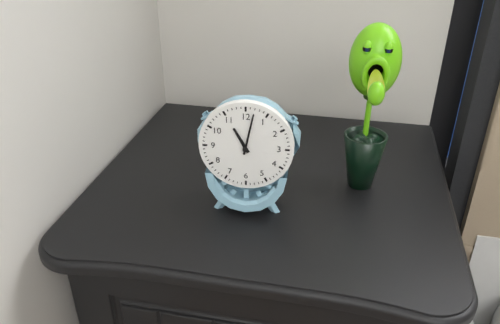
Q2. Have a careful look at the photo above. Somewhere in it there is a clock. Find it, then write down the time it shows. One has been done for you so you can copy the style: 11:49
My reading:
11:02
